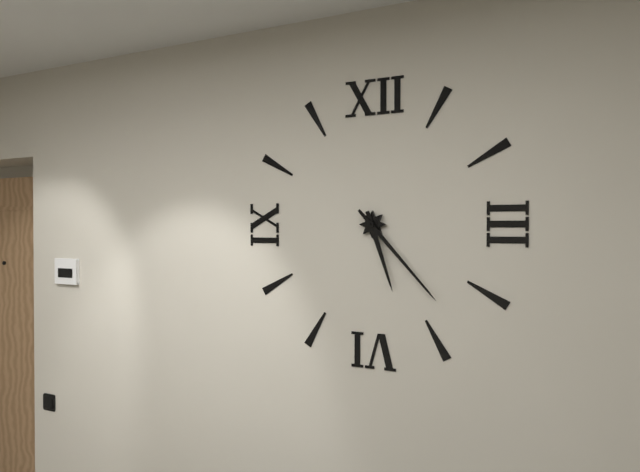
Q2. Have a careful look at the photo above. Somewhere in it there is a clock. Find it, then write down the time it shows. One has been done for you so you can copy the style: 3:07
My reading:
5:23
